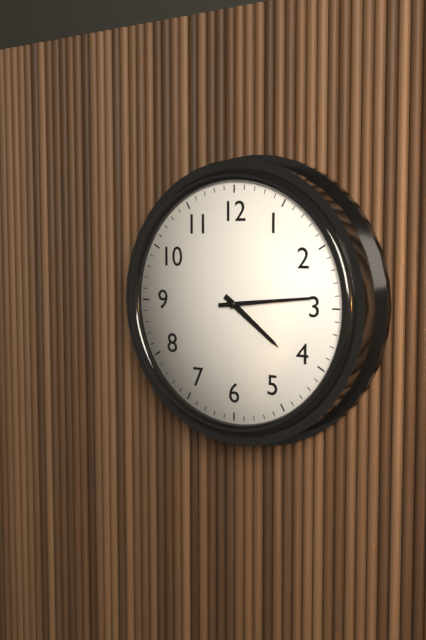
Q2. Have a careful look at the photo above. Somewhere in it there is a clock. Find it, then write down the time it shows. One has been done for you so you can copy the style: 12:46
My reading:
4:14
